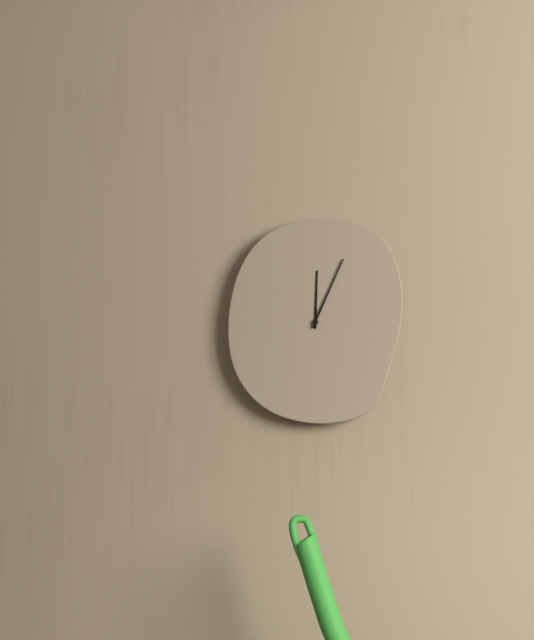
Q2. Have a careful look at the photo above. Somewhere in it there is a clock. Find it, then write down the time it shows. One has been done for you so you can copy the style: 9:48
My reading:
12:04
